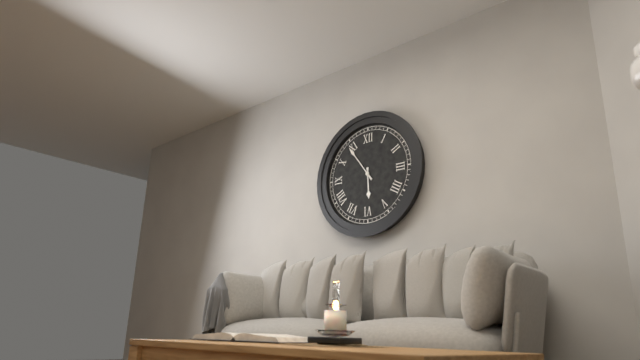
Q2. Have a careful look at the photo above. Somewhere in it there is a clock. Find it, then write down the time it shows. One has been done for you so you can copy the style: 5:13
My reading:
5:54
